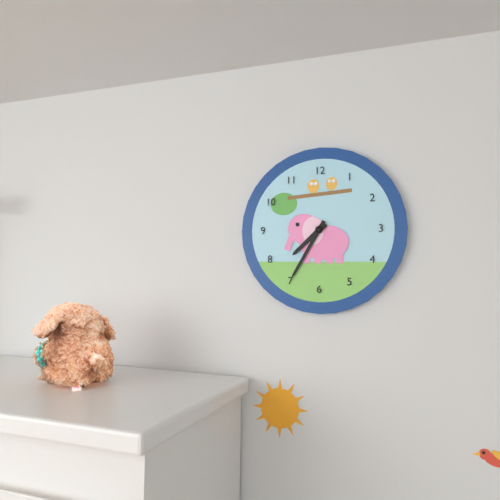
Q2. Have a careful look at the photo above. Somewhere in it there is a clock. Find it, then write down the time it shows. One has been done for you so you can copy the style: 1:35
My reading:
7:35
